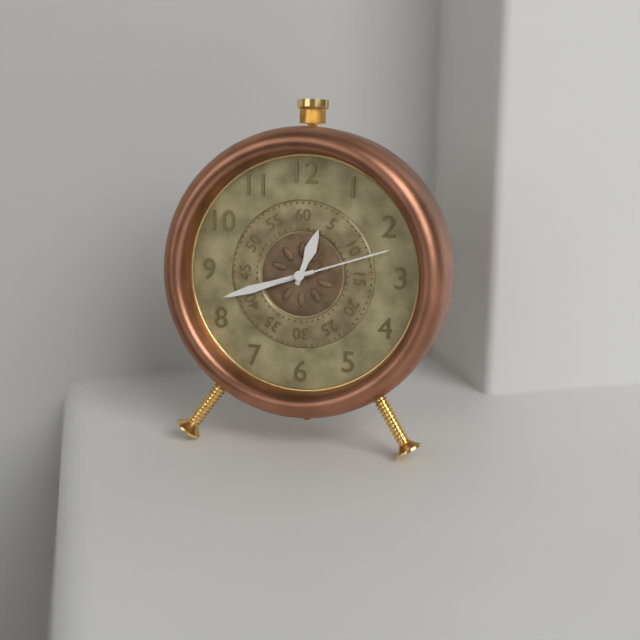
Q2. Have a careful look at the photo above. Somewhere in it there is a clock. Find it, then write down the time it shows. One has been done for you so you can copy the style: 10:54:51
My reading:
12:42:12
